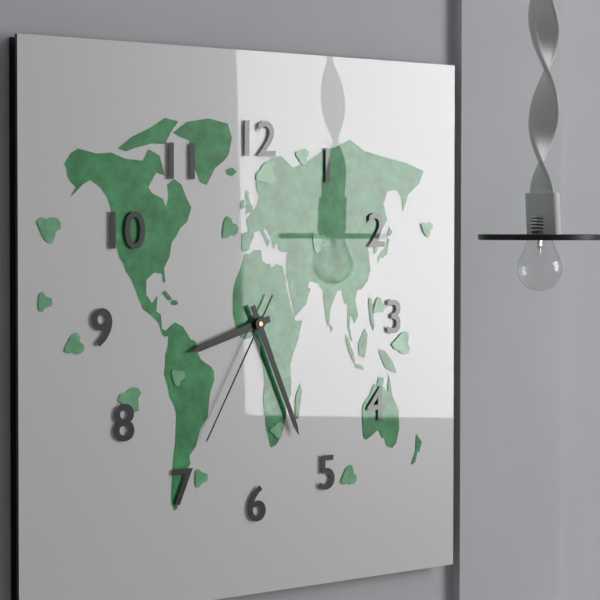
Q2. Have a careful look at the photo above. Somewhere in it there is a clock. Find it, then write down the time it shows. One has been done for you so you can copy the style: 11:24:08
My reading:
8:26:35
